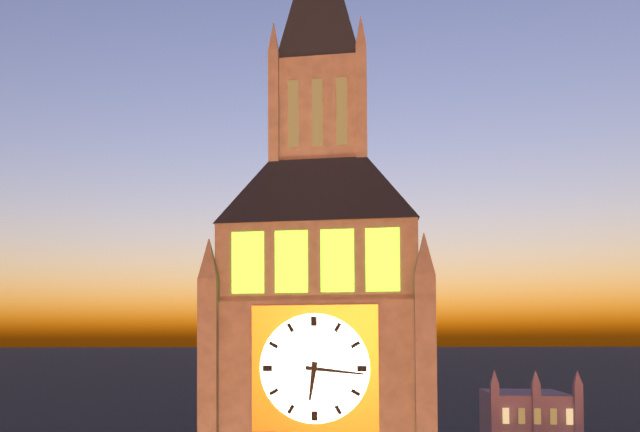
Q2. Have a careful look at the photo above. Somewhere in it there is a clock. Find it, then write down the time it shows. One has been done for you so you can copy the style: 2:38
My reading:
6:16
